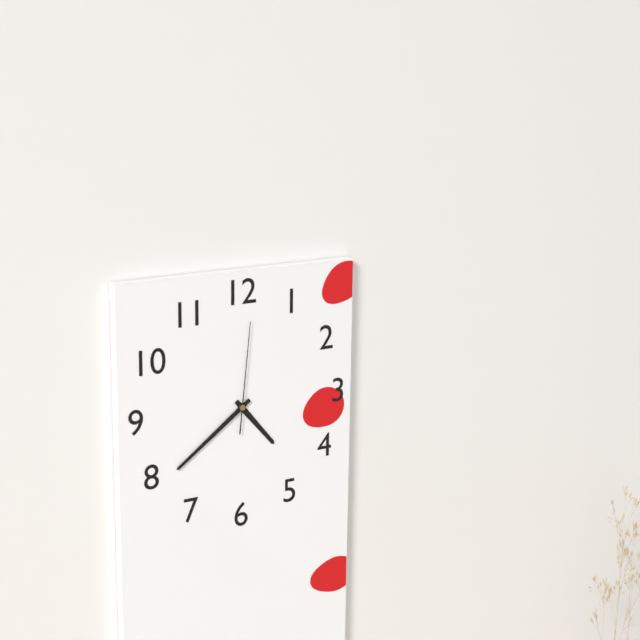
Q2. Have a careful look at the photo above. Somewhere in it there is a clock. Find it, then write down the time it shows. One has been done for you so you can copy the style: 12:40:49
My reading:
4:39:01
